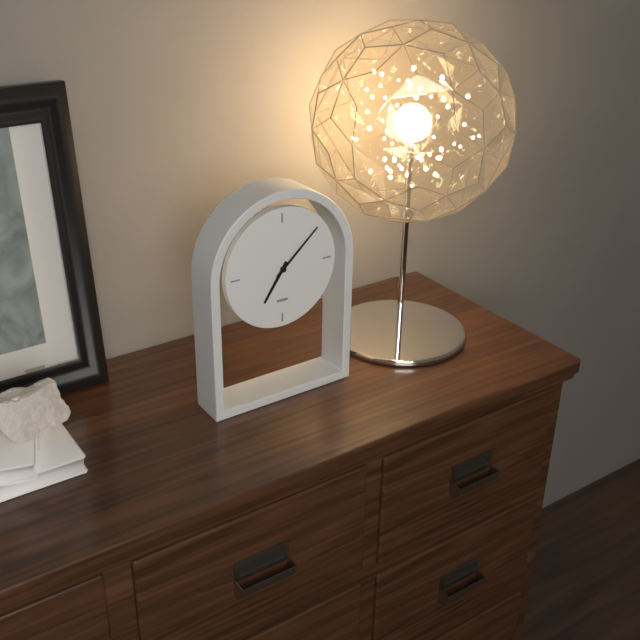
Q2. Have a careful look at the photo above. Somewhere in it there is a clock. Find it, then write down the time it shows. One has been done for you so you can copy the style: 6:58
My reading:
7:08
